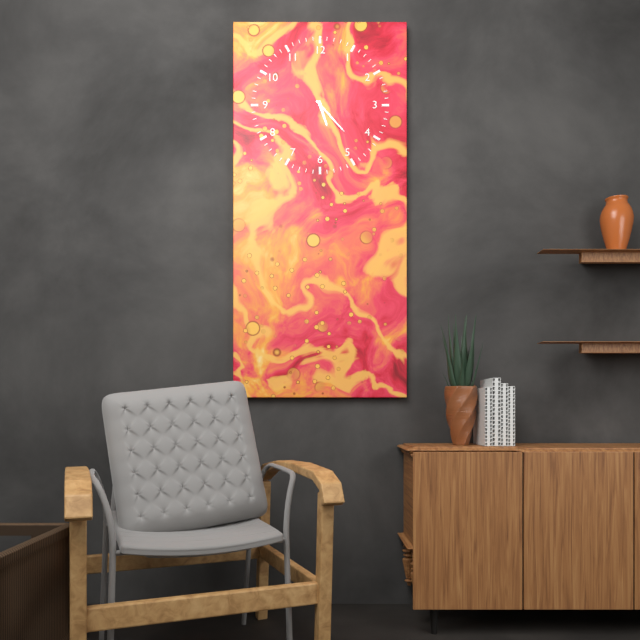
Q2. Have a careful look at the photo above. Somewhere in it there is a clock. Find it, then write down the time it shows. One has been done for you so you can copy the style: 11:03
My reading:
5:23
